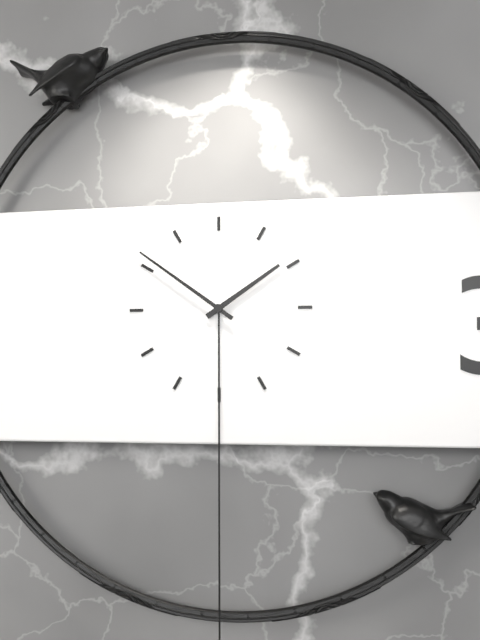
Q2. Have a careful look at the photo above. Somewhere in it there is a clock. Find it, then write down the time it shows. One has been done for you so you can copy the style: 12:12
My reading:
1:51
